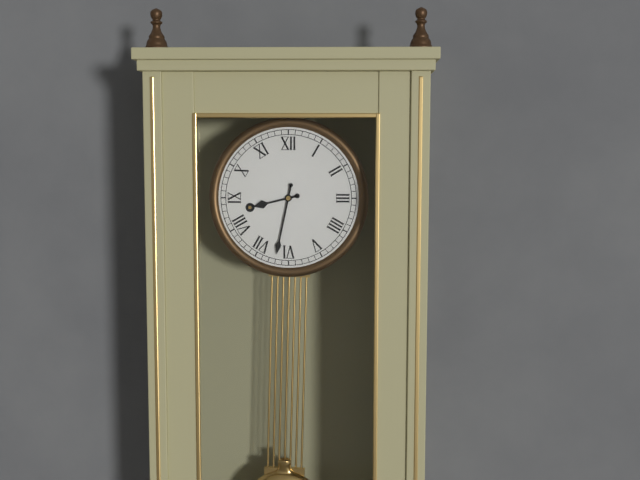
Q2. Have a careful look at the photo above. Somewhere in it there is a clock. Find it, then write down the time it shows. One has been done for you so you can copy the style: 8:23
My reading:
8:32
